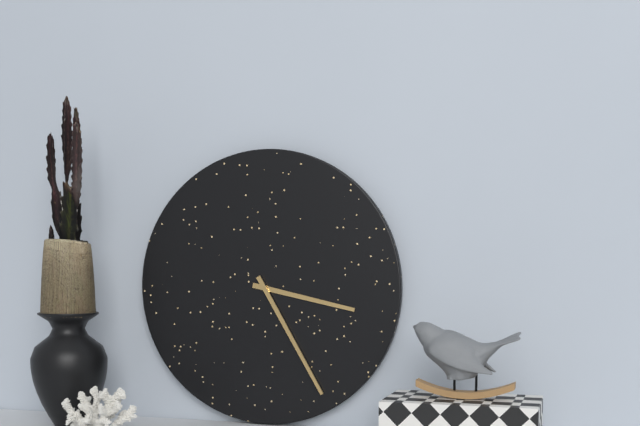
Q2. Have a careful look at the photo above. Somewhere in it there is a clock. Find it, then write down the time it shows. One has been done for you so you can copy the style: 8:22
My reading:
3:25
